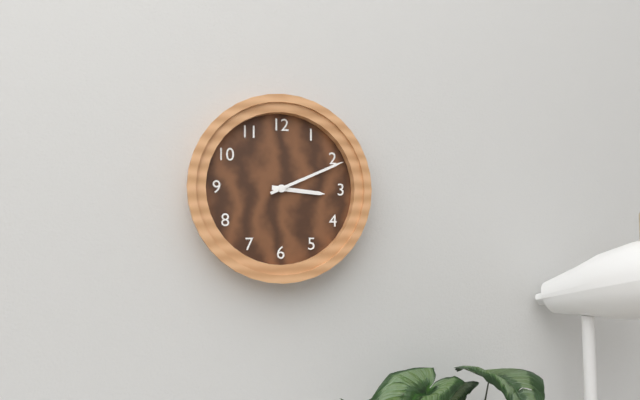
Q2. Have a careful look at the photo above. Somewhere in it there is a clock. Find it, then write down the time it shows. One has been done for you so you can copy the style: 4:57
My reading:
3:11
